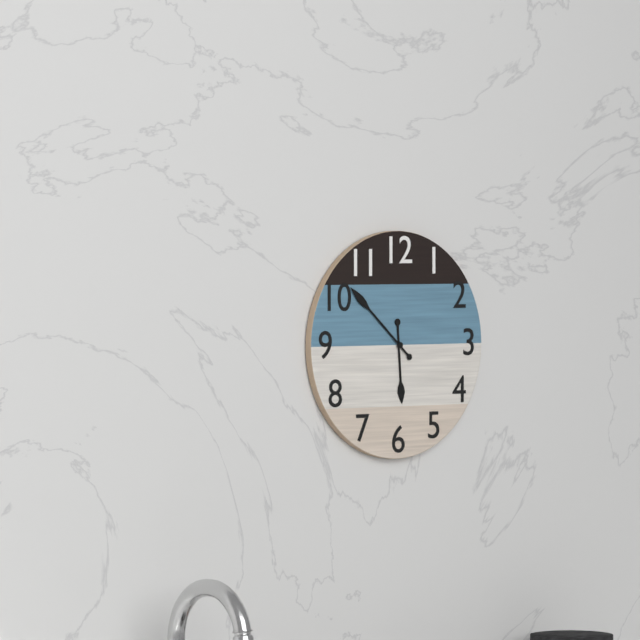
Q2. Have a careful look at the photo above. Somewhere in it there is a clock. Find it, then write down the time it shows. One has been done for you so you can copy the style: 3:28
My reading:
5:52
